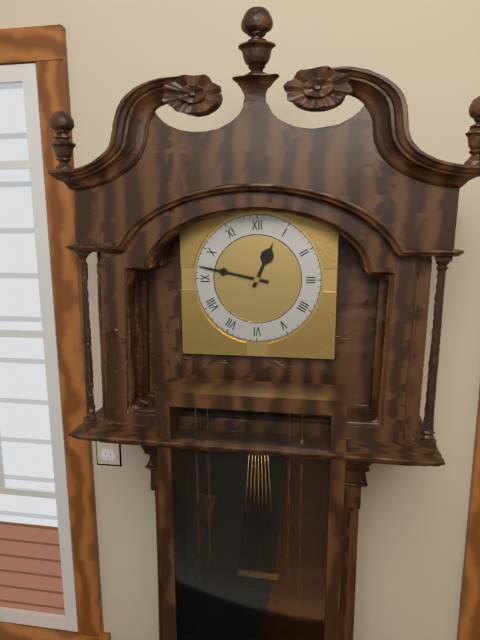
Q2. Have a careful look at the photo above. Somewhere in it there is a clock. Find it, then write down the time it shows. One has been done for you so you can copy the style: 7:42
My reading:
12:47
